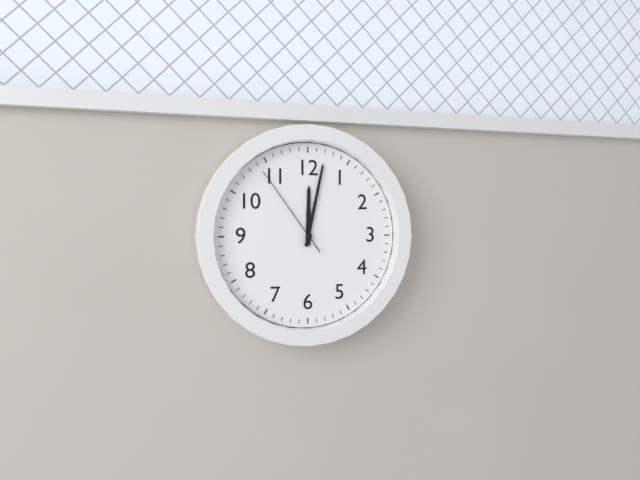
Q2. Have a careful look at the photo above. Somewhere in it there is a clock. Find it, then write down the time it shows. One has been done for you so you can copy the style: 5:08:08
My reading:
12:02:54
